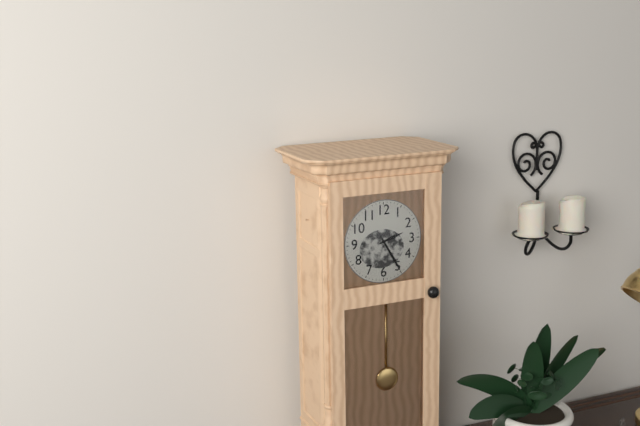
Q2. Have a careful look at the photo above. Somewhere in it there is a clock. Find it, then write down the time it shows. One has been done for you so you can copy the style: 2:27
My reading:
2:25
